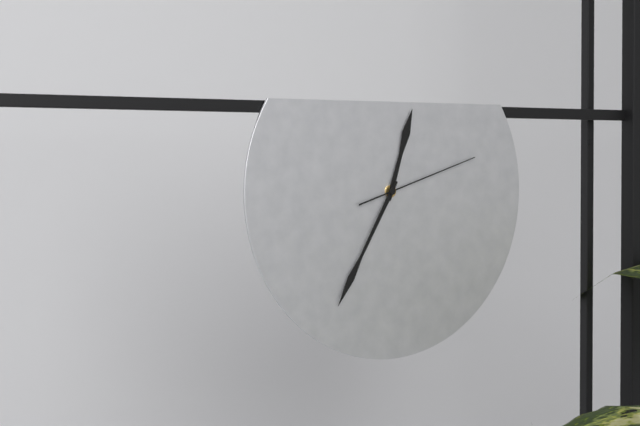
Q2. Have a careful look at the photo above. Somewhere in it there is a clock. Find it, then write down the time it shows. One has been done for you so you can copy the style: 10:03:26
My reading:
12:35:12
